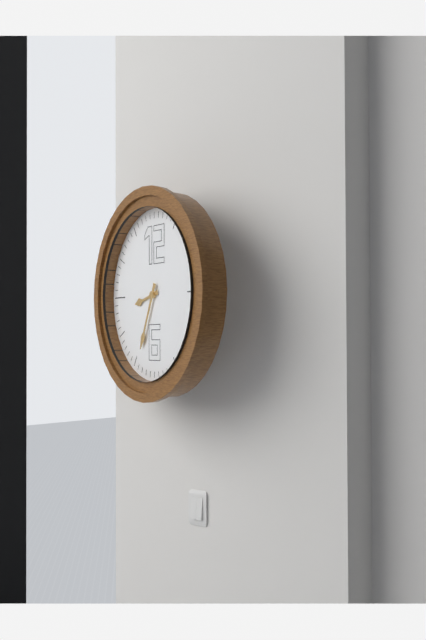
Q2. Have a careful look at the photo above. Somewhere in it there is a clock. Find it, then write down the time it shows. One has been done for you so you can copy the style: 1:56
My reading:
8:34
